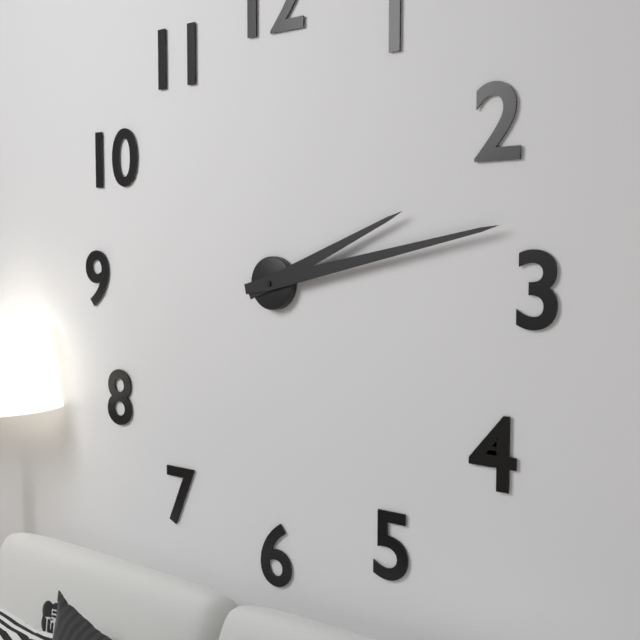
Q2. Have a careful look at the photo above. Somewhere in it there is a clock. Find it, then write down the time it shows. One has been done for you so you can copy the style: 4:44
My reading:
2:13
